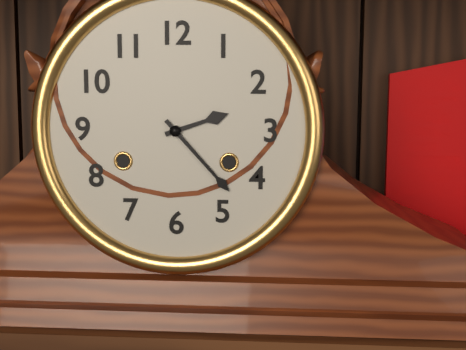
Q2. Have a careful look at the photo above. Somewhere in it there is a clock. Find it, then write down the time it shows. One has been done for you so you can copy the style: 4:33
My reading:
2:23
